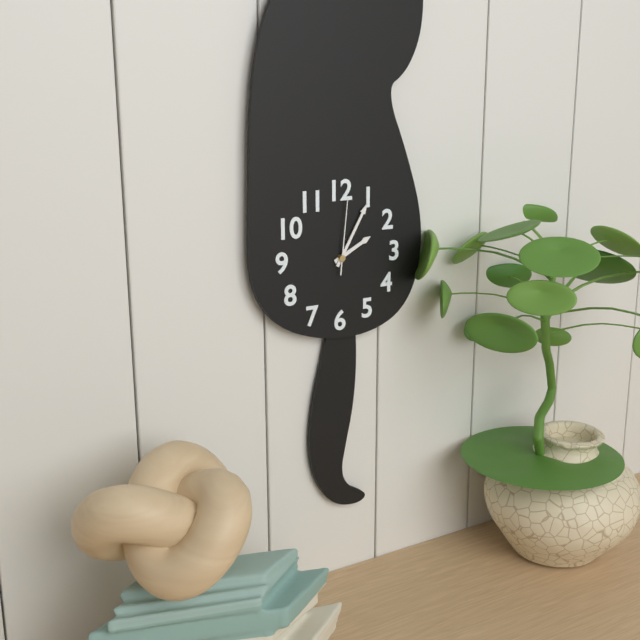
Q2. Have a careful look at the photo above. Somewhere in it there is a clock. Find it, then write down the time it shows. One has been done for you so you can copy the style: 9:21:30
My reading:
2:05:01
